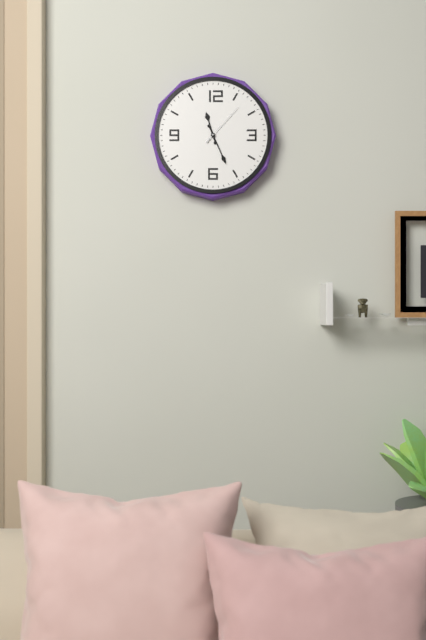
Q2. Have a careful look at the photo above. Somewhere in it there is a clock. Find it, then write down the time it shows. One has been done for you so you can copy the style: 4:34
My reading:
11:26
